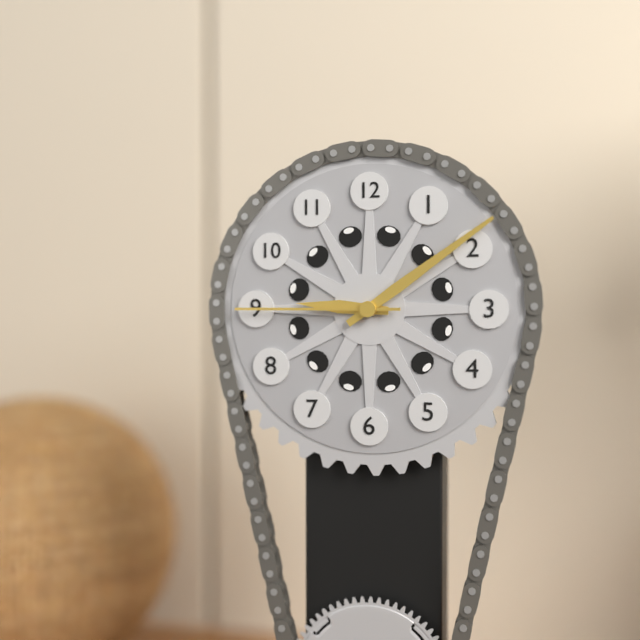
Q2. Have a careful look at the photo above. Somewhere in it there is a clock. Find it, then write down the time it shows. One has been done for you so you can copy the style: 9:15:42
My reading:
9:09:45
